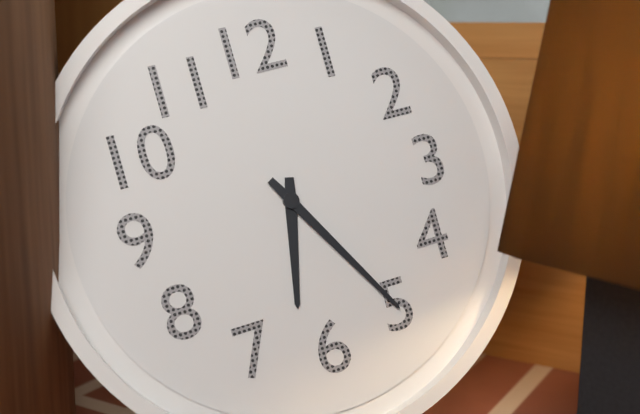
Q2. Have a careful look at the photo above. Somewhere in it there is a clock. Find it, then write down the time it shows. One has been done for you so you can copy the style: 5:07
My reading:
6:25
